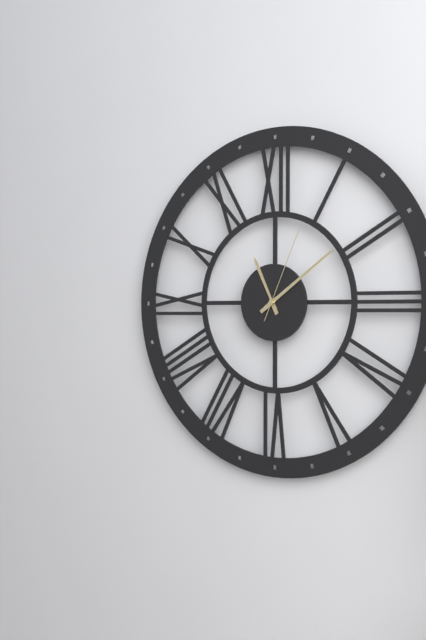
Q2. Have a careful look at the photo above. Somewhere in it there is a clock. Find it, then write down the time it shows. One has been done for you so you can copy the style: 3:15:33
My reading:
11:09:04
